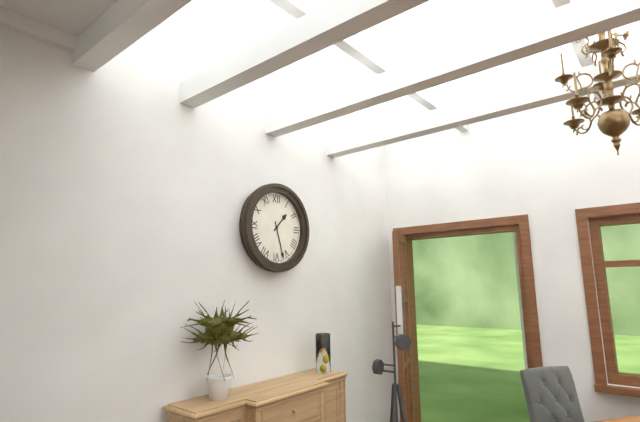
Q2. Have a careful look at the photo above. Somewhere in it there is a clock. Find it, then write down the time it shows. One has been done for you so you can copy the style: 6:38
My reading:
1:27
